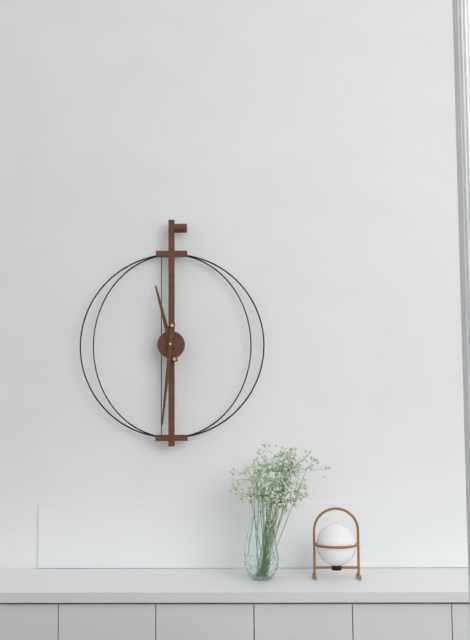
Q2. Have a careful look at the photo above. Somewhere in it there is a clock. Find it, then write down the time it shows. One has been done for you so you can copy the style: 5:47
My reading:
11:31
